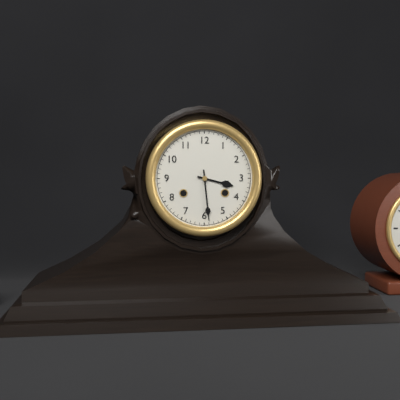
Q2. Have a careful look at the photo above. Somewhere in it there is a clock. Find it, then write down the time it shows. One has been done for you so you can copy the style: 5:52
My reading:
3:29
